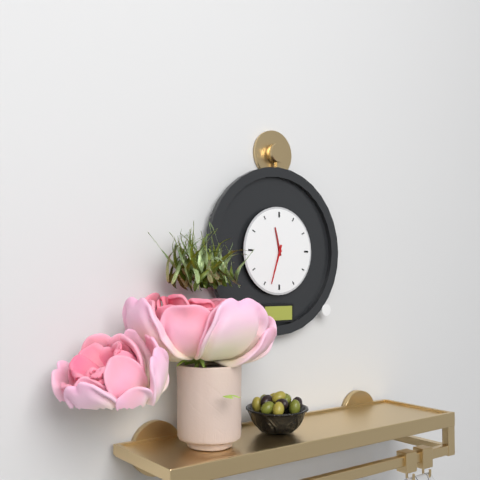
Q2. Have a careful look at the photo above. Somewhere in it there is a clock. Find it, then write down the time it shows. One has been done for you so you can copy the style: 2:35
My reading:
11:33
